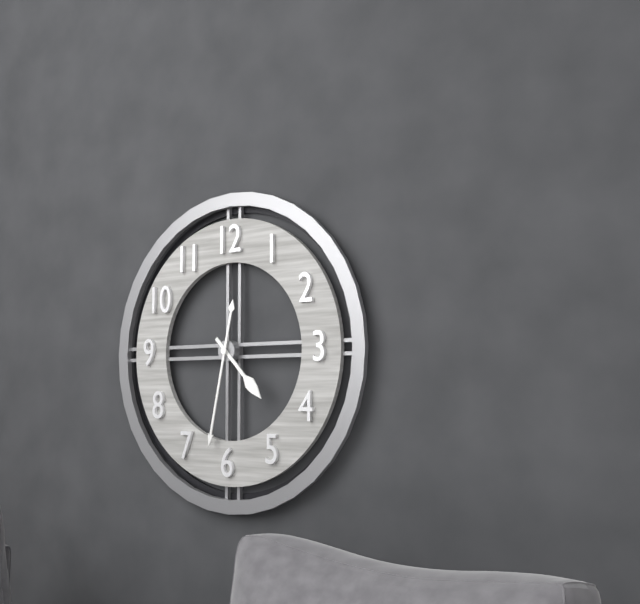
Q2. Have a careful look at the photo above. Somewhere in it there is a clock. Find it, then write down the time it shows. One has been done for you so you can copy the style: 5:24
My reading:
4:32
